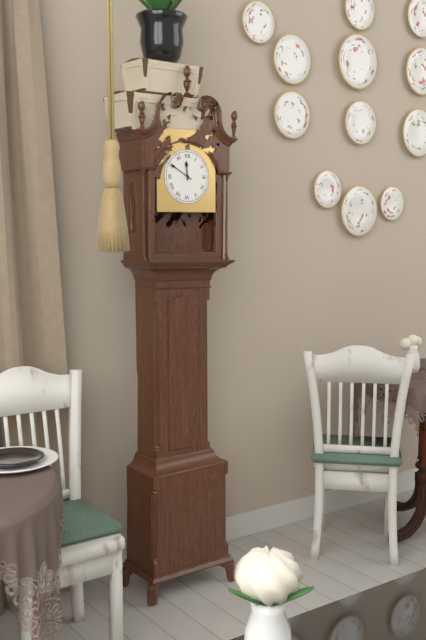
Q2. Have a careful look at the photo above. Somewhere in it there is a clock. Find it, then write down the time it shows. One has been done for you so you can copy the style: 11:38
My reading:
11:50
